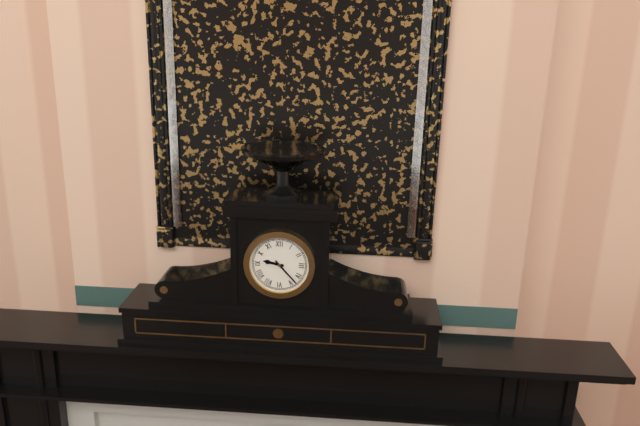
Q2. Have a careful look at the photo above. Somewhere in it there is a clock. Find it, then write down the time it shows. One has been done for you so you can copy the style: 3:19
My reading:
9:23
